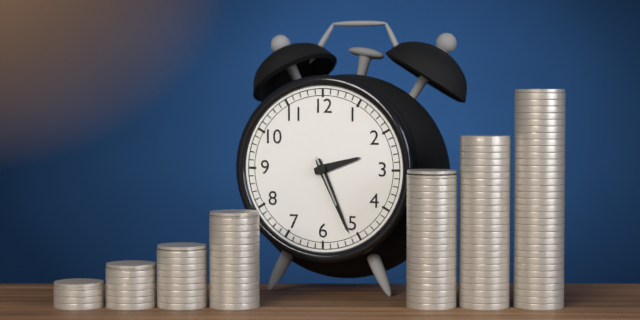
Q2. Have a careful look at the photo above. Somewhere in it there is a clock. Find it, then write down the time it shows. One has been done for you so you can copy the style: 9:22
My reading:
2:26
